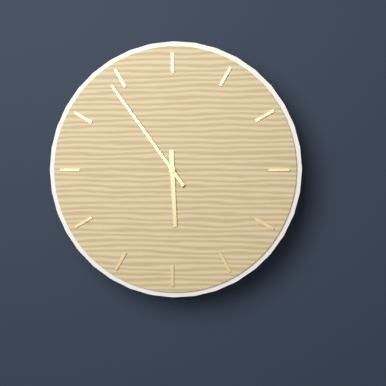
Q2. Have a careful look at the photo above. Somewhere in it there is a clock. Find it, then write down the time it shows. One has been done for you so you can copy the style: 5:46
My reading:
5:54
